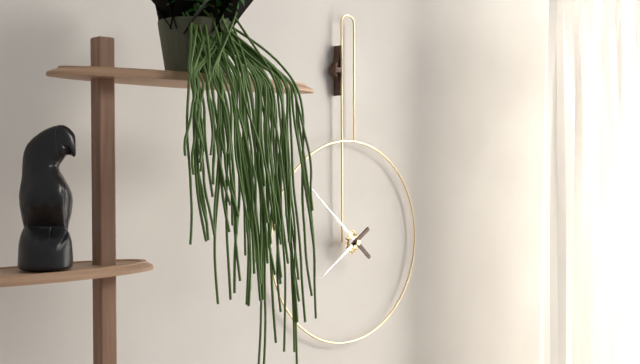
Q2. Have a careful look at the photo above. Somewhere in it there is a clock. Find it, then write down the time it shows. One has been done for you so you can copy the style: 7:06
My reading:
7:52
